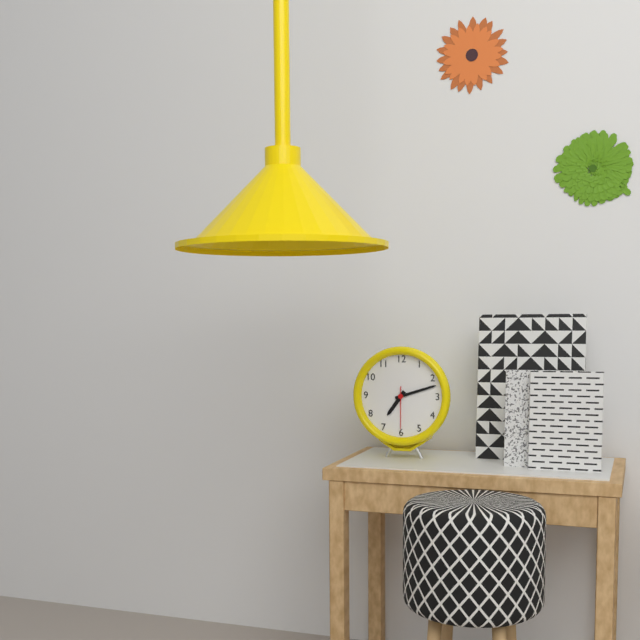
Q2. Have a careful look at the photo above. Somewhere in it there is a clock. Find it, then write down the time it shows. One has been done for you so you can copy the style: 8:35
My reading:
7:12
